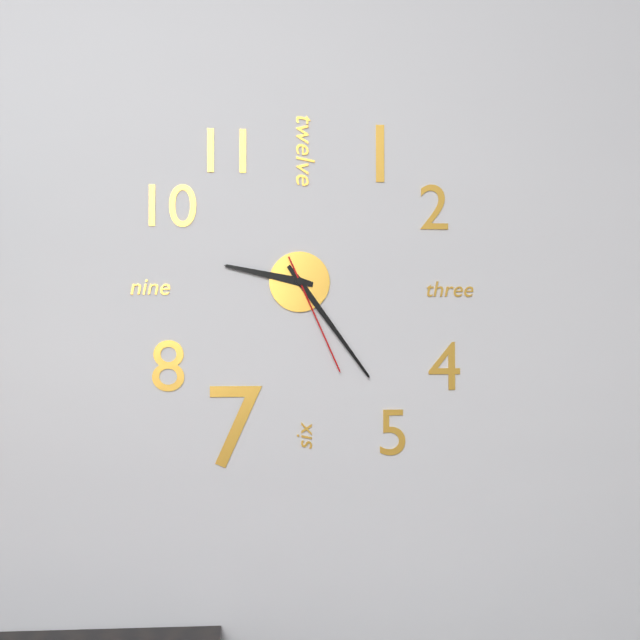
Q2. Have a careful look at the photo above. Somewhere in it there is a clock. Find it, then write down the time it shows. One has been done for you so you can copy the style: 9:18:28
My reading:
9:24:26
